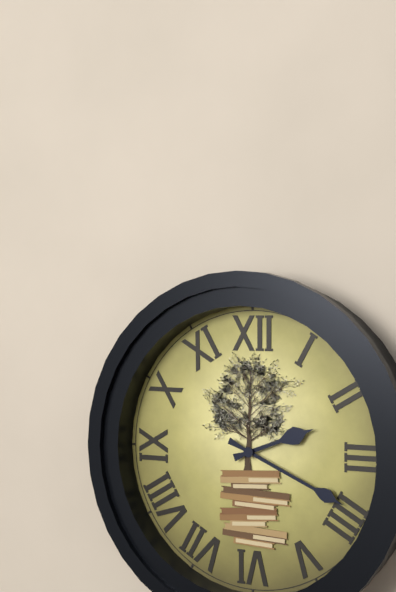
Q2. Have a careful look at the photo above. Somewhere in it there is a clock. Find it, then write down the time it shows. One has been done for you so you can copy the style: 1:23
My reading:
2:19
